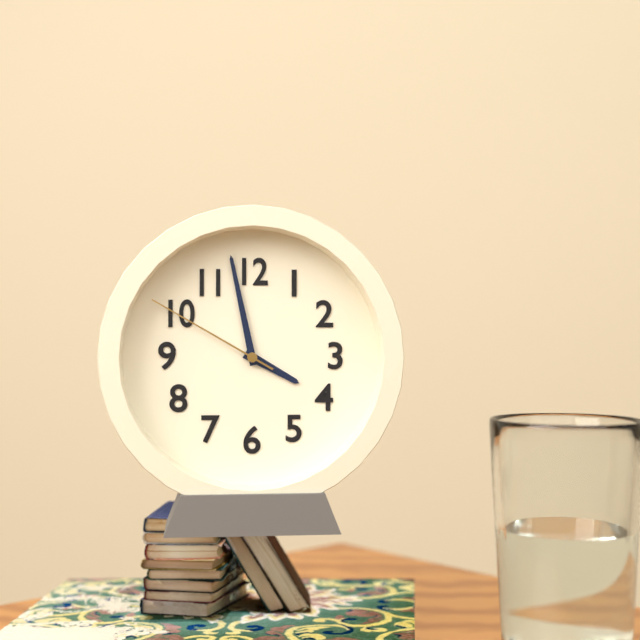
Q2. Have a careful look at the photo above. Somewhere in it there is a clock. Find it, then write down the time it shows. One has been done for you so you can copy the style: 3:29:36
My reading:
3:58:50
